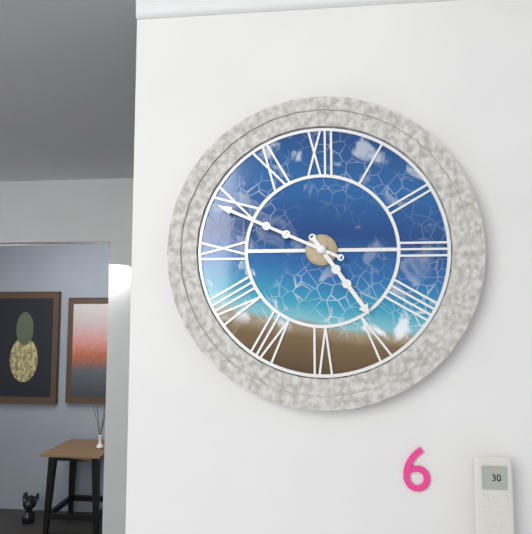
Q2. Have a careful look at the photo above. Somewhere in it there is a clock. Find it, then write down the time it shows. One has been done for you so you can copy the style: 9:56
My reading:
4:49
